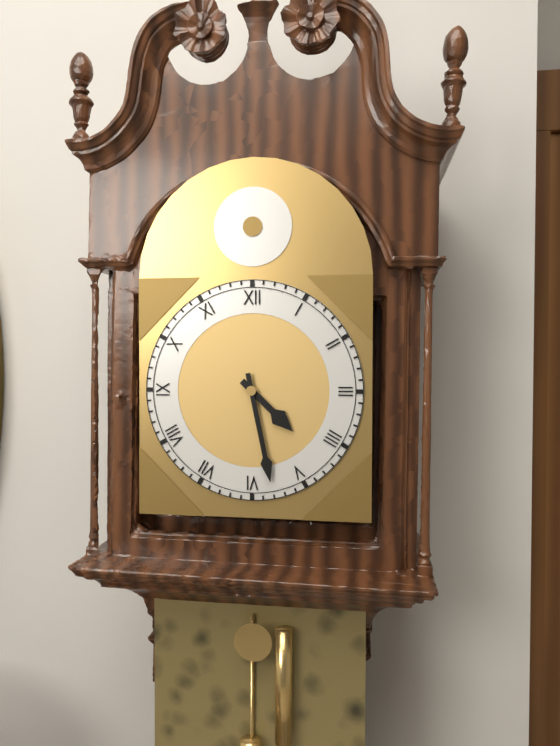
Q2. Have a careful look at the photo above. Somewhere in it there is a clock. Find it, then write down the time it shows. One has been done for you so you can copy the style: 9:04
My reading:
4:28
